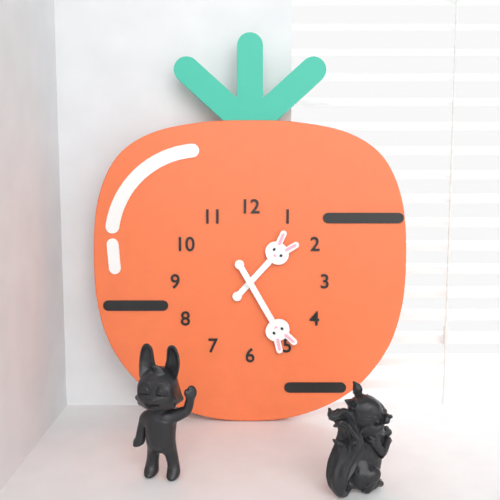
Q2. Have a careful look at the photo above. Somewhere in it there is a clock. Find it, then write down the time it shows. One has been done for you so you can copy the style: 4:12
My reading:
1:25
